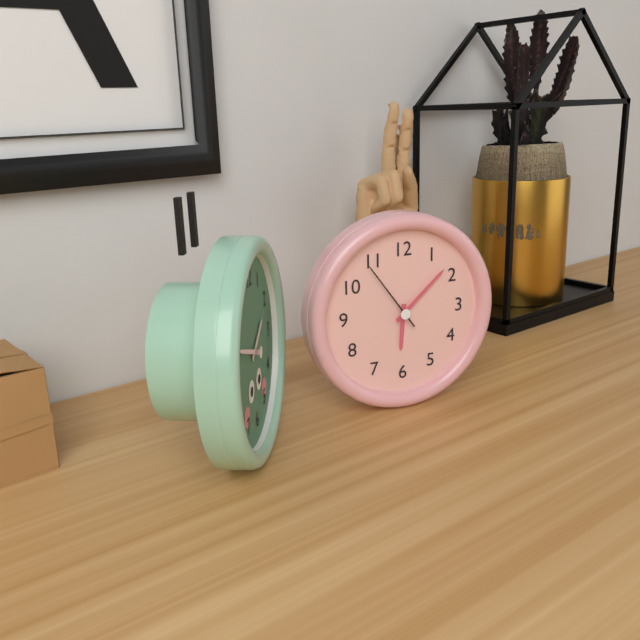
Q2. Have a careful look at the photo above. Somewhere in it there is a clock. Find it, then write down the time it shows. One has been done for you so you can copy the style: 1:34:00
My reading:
6:08:54
